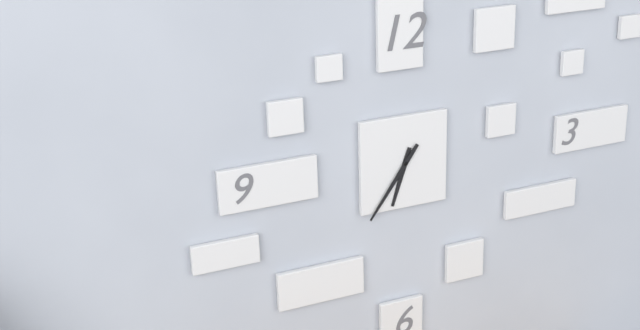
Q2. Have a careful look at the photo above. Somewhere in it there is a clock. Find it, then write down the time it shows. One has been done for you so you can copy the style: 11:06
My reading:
6:36
